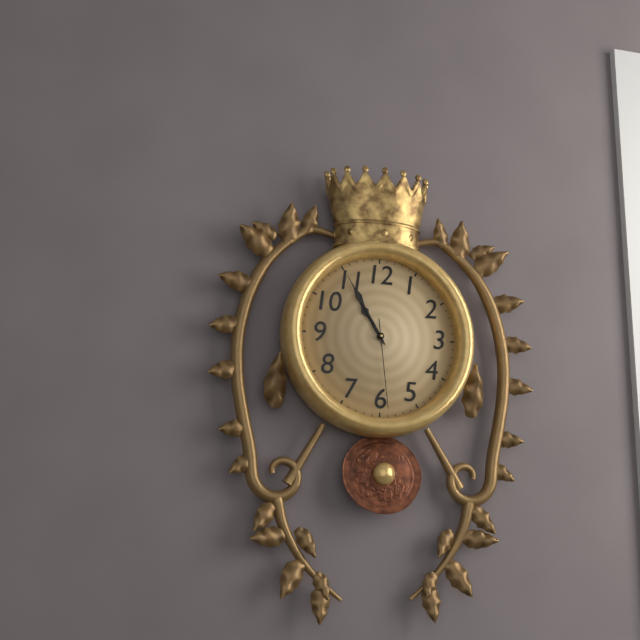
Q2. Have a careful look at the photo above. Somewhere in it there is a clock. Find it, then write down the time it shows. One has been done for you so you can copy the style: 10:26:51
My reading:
10:55:29
